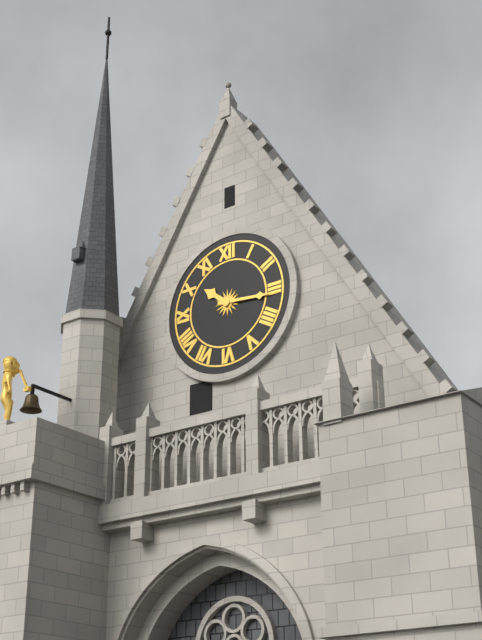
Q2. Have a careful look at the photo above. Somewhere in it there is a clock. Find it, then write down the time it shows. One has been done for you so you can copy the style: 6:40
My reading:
10:16
